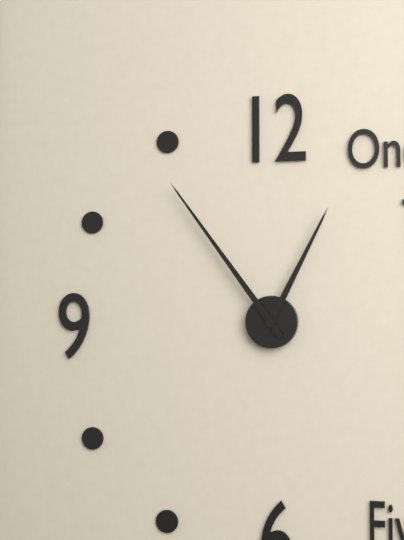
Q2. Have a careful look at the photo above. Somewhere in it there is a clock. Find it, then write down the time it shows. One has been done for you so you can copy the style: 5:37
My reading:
12:54
